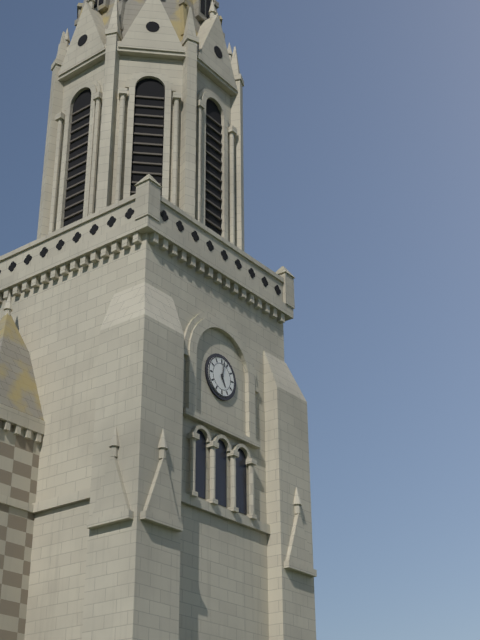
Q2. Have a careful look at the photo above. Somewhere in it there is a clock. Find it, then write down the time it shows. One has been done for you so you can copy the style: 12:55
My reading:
5:02
